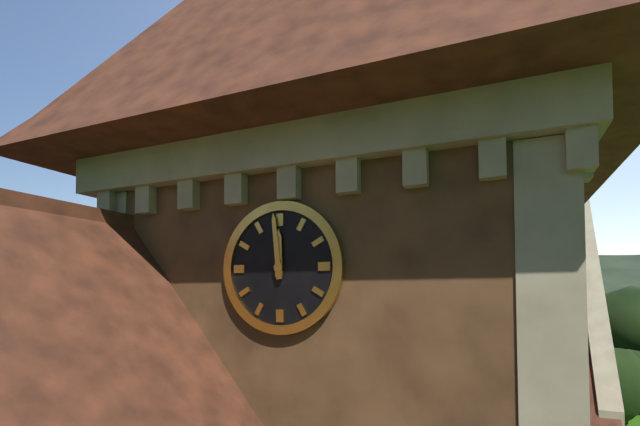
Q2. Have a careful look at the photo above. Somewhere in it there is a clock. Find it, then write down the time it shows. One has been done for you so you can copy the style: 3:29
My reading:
11:59
